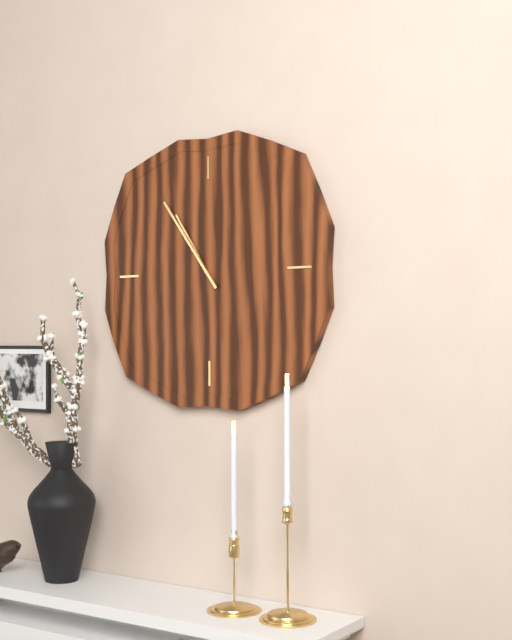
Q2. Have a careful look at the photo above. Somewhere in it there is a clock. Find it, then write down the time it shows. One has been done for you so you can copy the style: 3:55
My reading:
10:54
